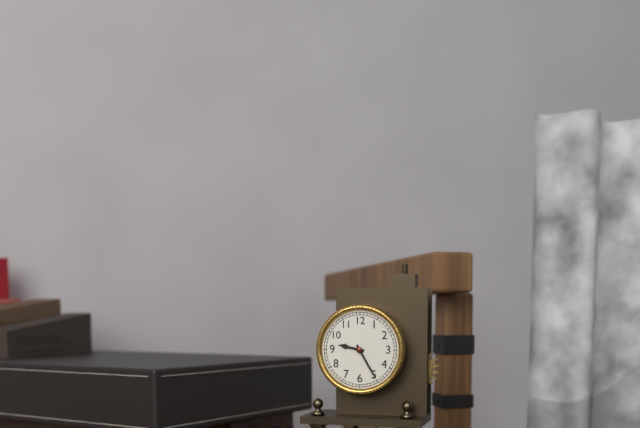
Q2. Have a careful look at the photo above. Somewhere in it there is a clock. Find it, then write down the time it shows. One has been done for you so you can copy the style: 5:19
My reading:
9:25
